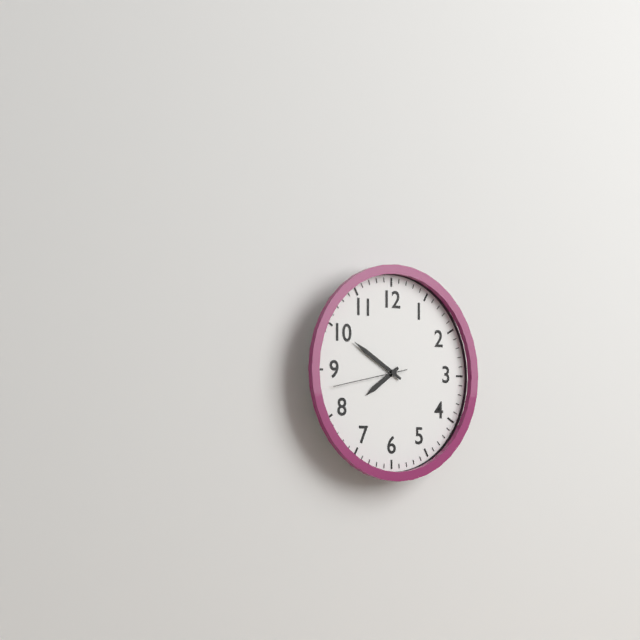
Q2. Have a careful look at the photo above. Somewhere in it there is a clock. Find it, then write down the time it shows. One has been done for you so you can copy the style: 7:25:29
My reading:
7:50:43
